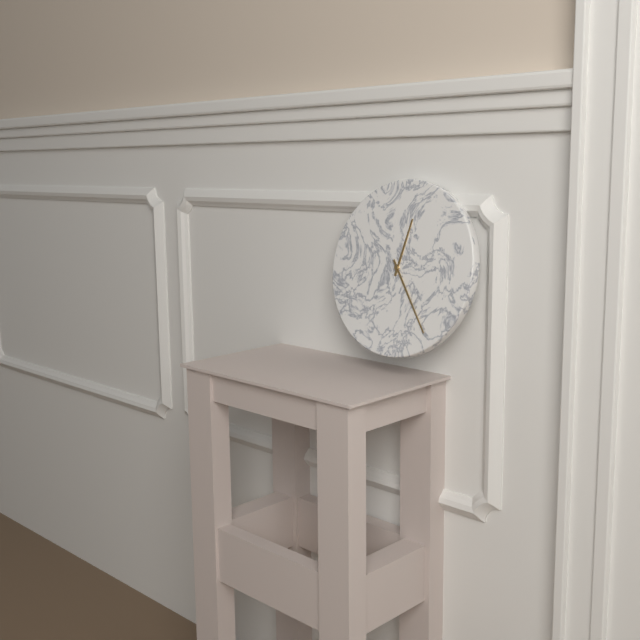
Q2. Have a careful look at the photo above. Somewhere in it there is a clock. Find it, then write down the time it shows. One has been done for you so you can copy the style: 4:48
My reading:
12:24
